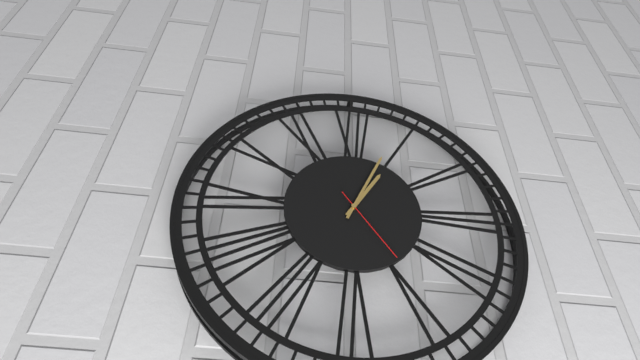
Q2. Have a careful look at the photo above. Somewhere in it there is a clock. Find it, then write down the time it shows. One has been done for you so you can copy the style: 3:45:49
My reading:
1:04:24
